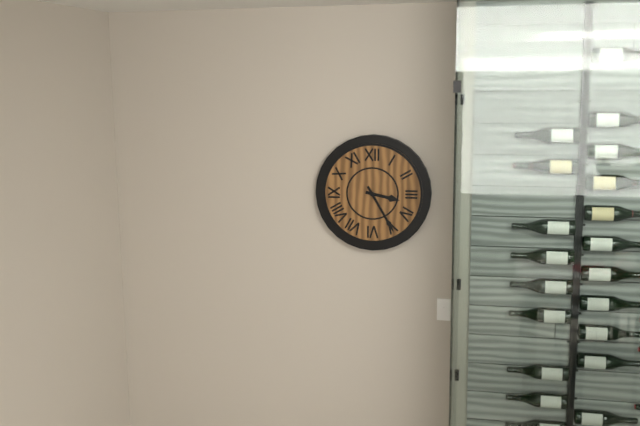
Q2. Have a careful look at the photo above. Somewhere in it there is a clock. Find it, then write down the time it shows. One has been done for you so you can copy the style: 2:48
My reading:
3:25
